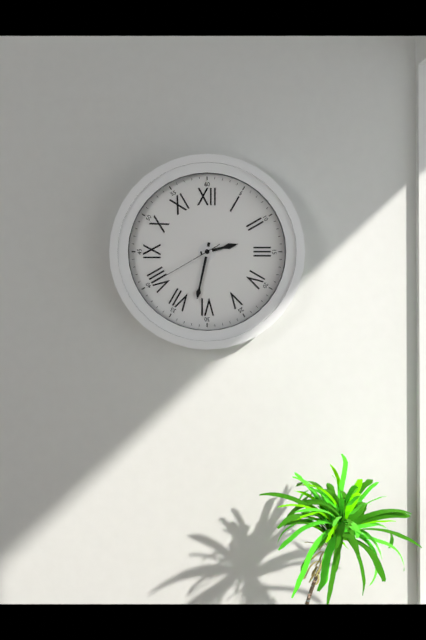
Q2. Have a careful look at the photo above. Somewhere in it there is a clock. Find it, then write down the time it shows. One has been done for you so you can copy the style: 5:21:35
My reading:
2:32:40
